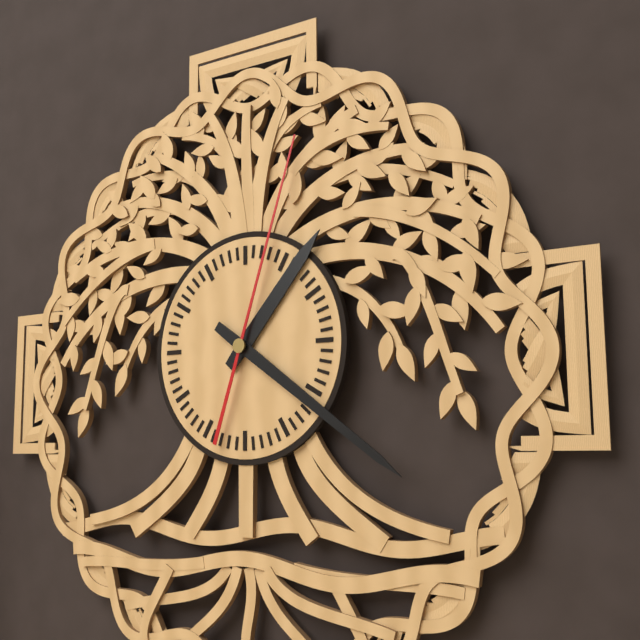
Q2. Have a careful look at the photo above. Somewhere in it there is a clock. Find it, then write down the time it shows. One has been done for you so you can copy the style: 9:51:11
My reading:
1:21:03
